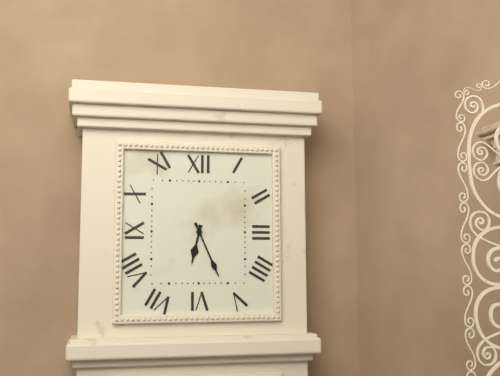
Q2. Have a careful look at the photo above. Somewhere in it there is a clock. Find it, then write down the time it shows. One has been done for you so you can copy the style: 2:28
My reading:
6:26
